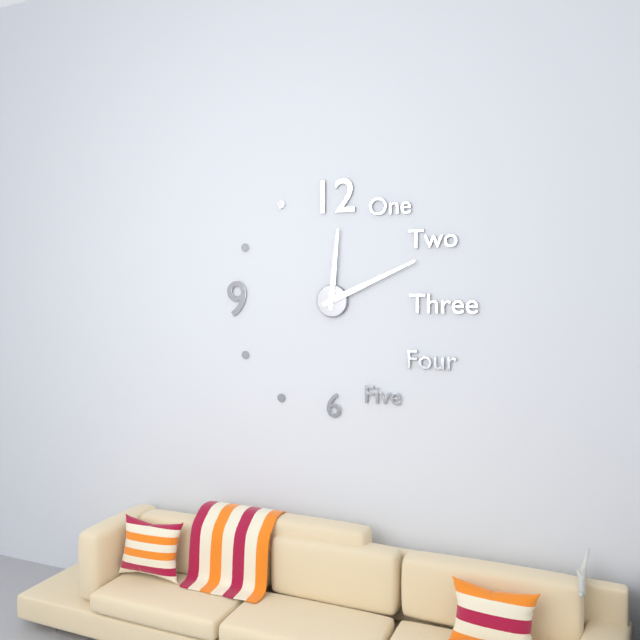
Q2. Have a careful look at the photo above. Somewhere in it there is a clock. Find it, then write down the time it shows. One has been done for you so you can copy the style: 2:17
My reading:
12:11
